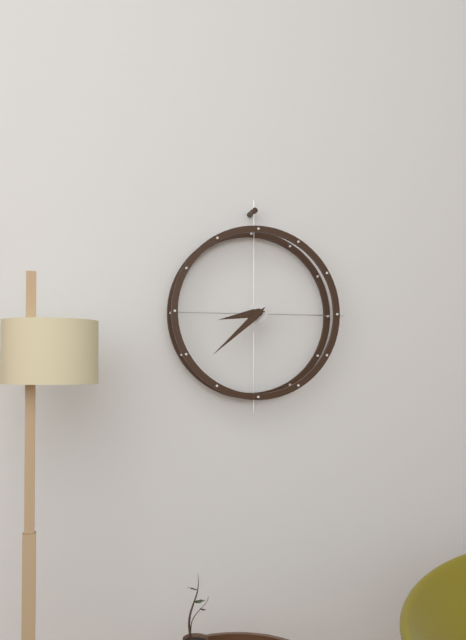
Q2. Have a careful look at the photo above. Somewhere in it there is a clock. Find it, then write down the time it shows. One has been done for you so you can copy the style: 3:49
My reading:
8:38
